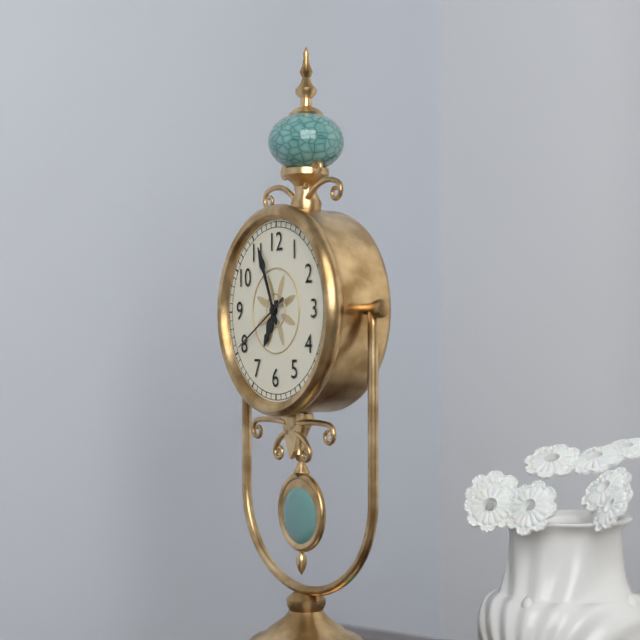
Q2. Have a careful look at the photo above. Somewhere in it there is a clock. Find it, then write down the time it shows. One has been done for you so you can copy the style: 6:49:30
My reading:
6:56:40
